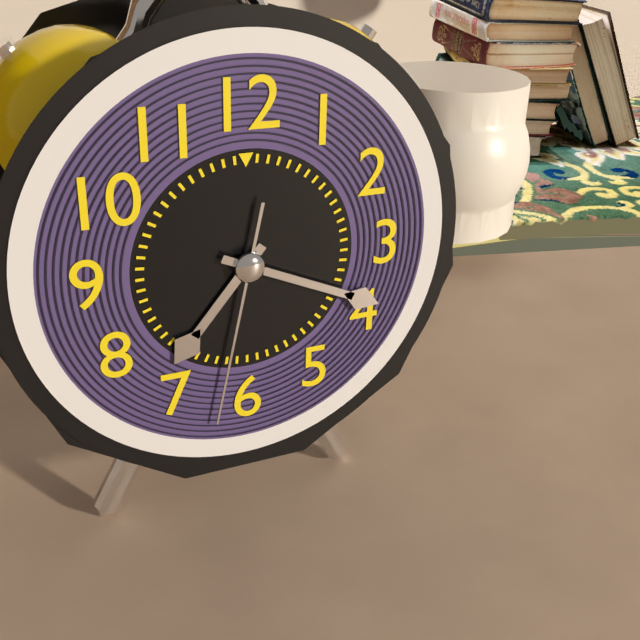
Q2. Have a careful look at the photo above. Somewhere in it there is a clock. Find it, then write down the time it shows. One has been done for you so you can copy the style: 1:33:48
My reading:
7:19:32
